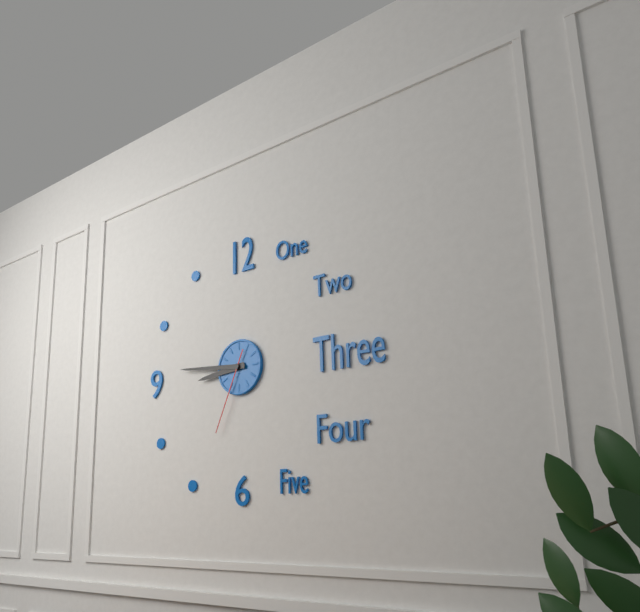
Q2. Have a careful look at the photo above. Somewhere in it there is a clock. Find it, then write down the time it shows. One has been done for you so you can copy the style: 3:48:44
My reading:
8:46:34
